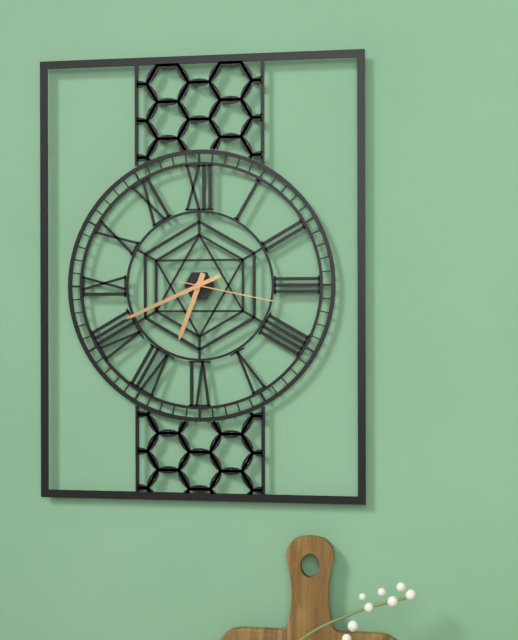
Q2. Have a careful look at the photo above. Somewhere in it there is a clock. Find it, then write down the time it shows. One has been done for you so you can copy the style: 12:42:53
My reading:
6:41:17
